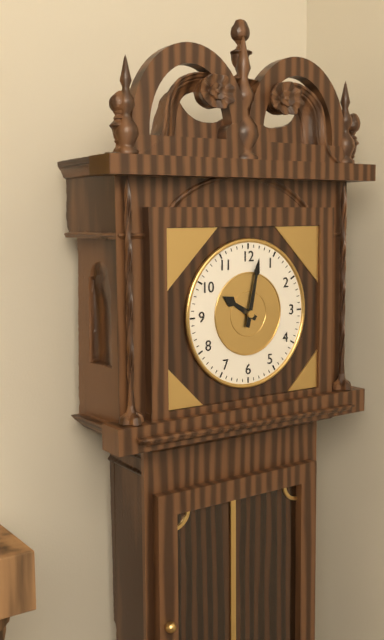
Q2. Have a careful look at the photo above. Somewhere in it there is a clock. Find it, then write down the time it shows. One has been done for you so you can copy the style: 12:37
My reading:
10:02
